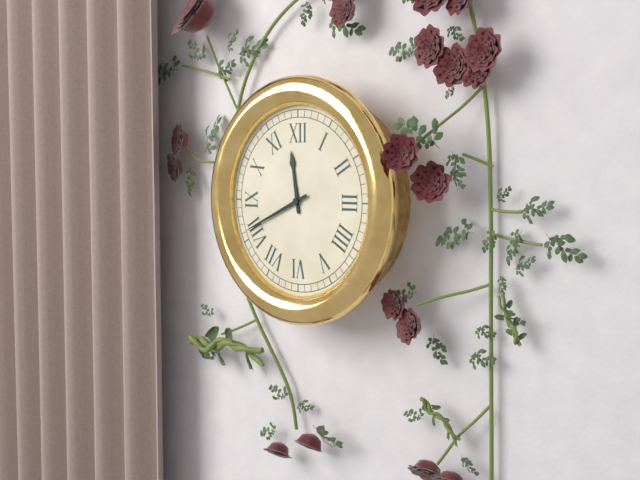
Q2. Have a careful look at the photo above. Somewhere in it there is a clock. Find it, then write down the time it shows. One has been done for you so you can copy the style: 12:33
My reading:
11:41
